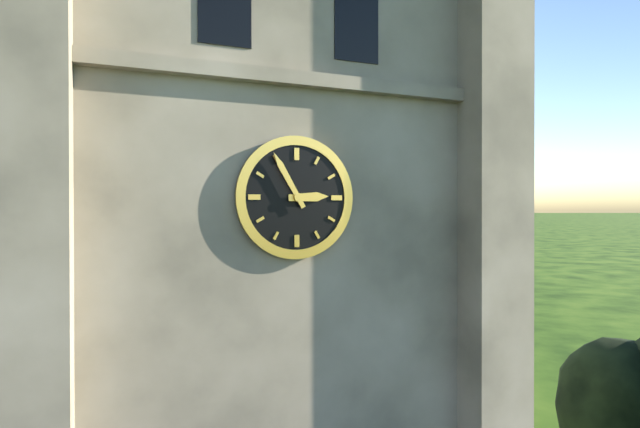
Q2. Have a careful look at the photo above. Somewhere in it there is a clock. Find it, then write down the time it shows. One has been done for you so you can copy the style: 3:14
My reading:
2:55
